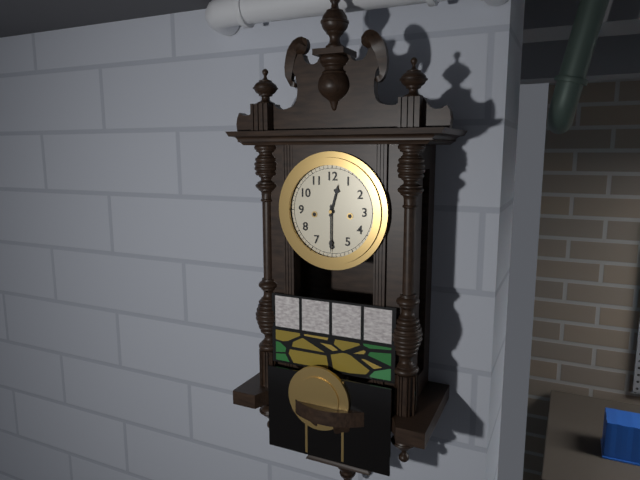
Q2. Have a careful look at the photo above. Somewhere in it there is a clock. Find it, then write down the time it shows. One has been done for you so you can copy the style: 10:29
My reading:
12:30
